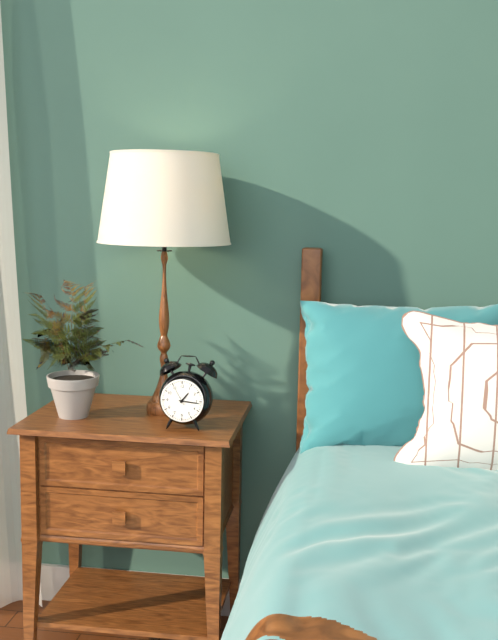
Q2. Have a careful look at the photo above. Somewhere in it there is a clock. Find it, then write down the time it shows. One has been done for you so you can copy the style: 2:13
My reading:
1:16
